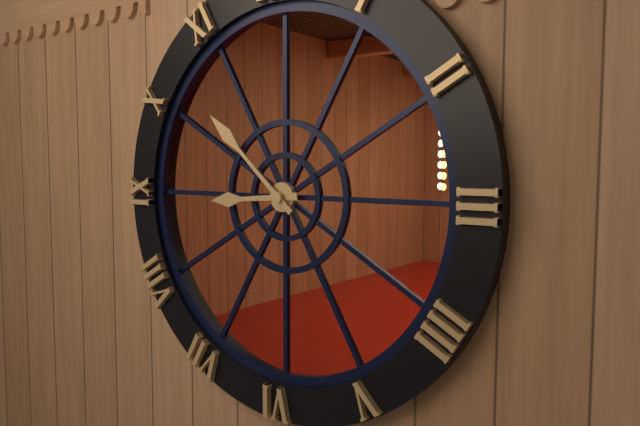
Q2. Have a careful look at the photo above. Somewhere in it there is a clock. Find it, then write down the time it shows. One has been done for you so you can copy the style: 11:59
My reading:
8:52
